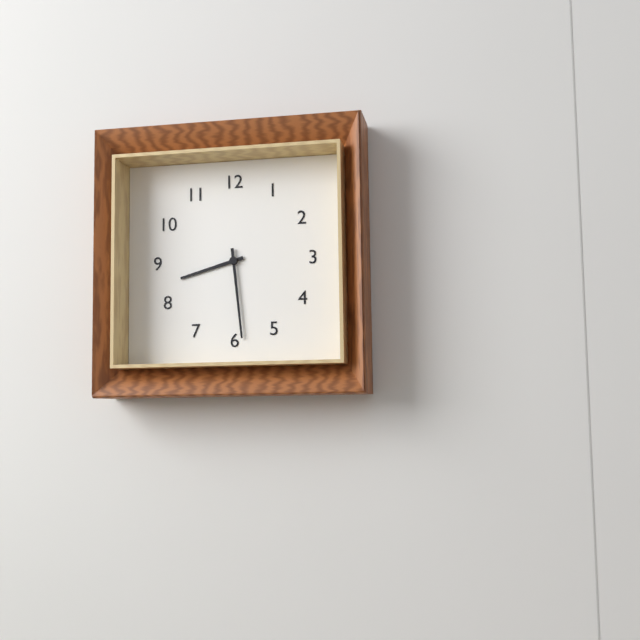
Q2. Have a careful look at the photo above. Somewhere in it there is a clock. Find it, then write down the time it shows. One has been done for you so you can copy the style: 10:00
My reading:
8:29
